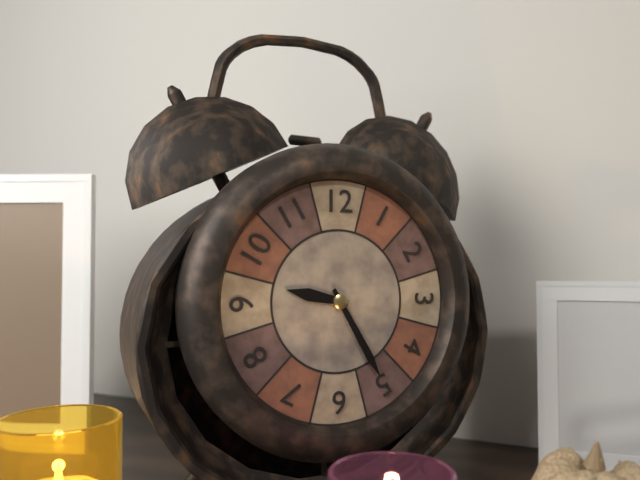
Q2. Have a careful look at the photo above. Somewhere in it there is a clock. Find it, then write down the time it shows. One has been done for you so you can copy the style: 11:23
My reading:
9:25
